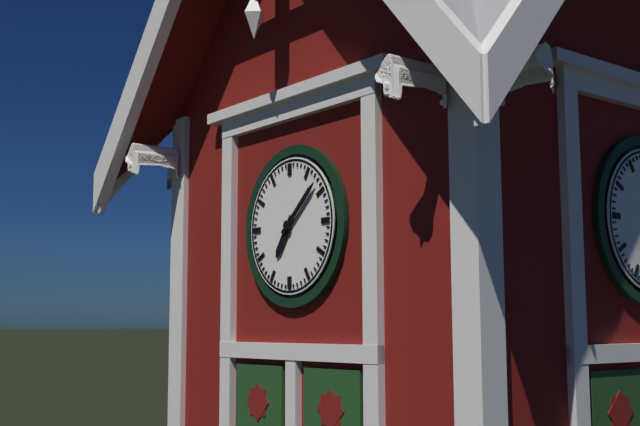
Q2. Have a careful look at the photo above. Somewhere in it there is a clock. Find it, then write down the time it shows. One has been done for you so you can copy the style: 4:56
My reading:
7:08
